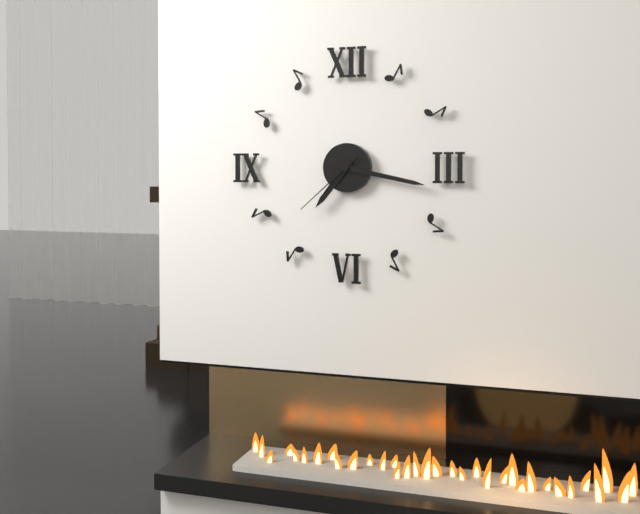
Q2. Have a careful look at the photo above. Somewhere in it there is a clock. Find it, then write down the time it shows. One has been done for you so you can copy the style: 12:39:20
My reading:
7:17:38
